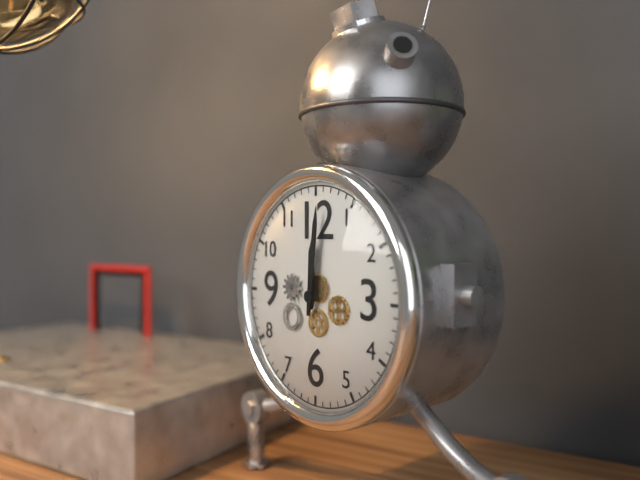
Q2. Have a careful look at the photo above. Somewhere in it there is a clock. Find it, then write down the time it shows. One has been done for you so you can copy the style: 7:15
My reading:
12:01
